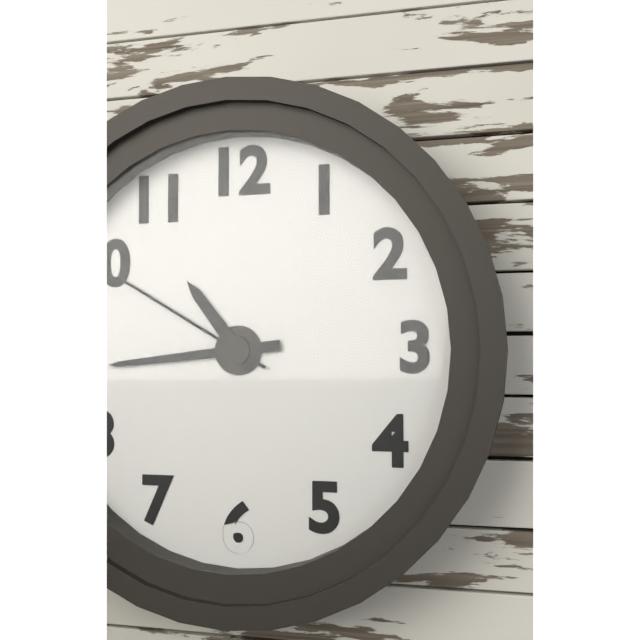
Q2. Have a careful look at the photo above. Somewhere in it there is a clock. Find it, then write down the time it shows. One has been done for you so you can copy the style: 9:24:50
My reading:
10:44:50
